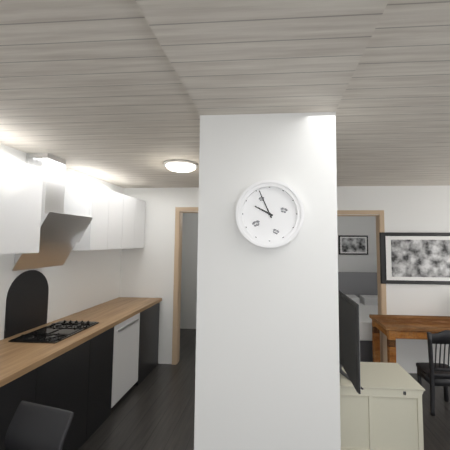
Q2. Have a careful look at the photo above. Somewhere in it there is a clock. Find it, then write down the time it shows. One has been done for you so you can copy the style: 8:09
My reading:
9:56
